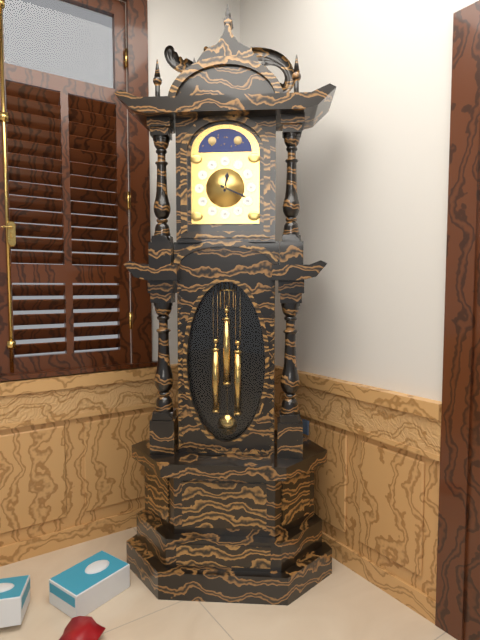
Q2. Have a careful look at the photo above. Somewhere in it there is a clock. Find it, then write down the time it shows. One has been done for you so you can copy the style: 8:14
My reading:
12:19
